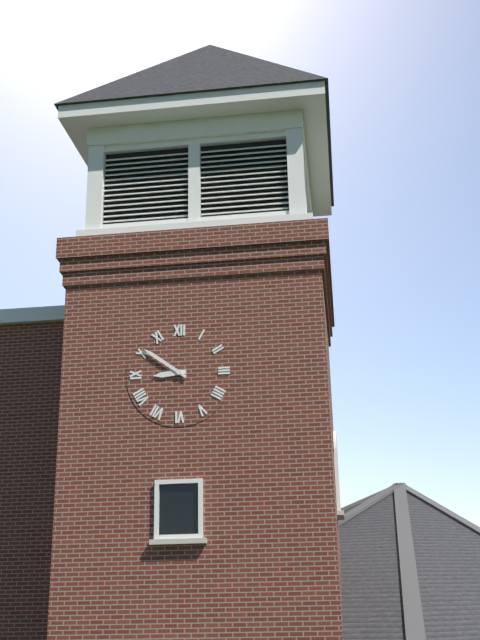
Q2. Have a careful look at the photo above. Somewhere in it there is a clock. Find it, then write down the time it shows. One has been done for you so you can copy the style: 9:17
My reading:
8:51
